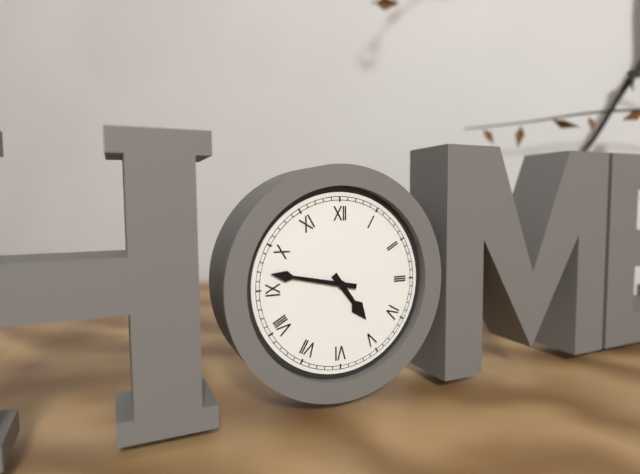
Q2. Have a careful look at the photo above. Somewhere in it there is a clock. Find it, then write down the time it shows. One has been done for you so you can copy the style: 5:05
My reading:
4:47
